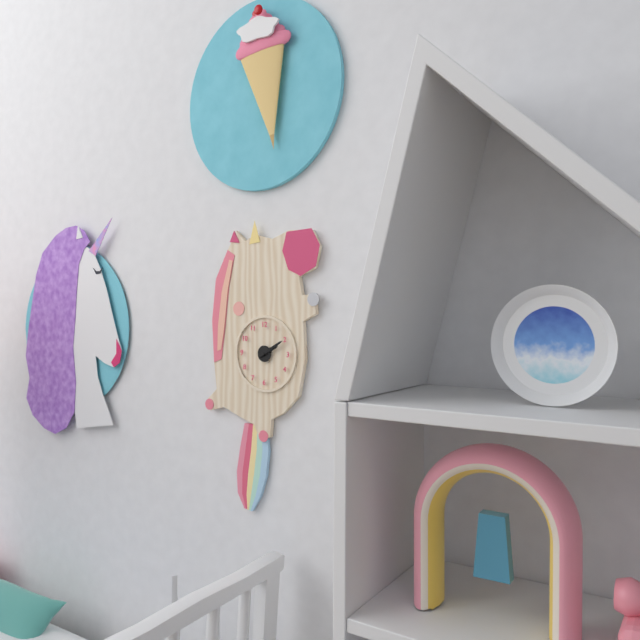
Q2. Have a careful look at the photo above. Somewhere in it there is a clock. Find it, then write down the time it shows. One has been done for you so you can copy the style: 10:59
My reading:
2:10
